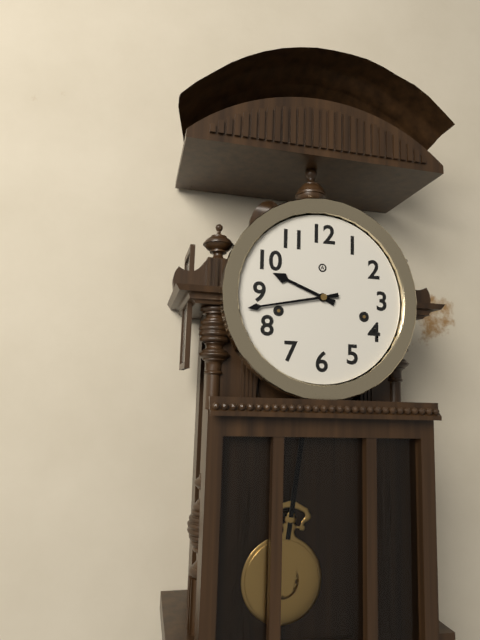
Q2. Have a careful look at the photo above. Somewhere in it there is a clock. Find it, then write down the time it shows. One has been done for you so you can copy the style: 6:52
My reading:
9:43
